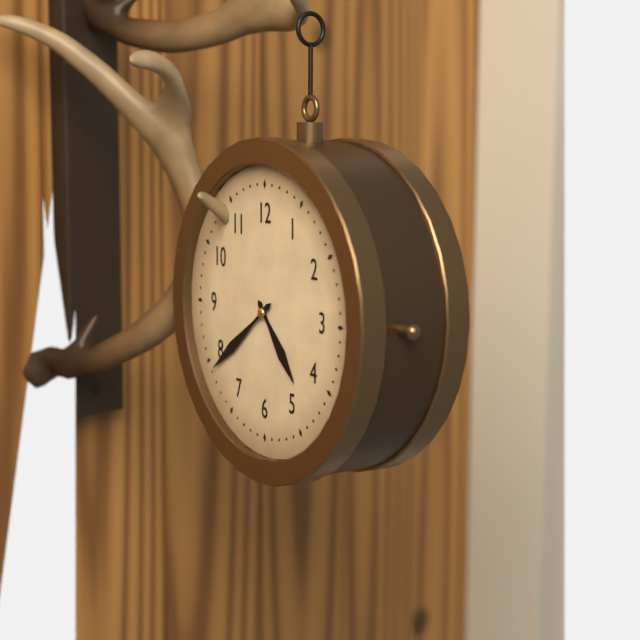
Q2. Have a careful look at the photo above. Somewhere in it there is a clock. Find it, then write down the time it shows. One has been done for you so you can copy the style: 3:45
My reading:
4:39
